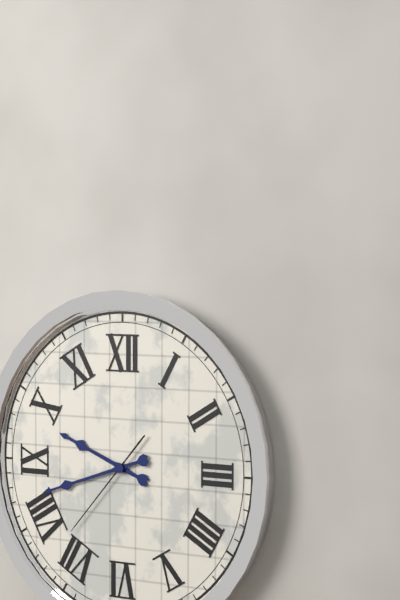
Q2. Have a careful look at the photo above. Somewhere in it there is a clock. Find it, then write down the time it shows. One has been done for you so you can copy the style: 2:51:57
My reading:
9:42:37
